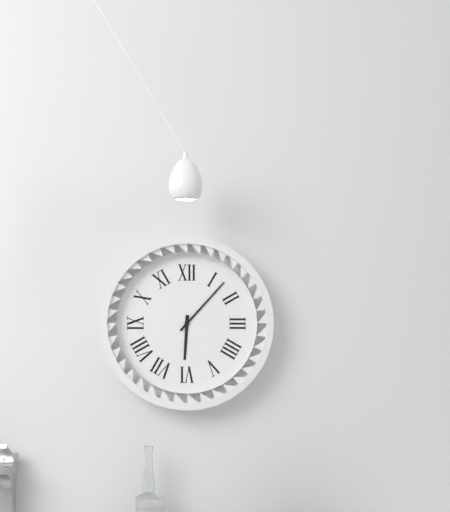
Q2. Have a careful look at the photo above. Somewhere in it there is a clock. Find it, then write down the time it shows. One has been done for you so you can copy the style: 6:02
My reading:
6:07
